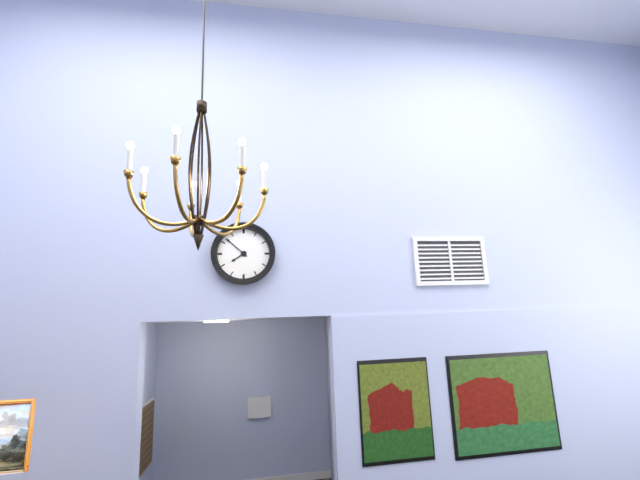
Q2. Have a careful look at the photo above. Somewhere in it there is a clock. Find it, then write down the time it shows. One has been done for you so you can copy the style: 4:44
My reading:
7:52
